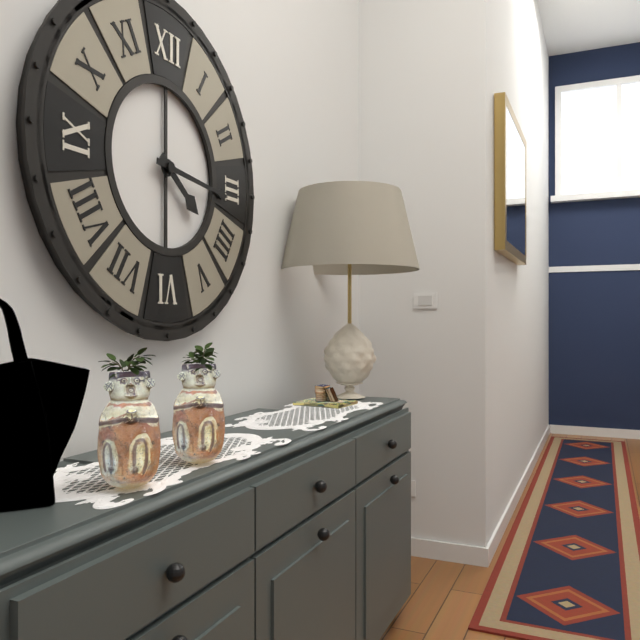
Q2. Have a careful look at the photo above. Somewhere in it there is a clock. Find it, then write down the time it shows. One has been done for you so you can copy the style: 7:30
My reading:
4:16
